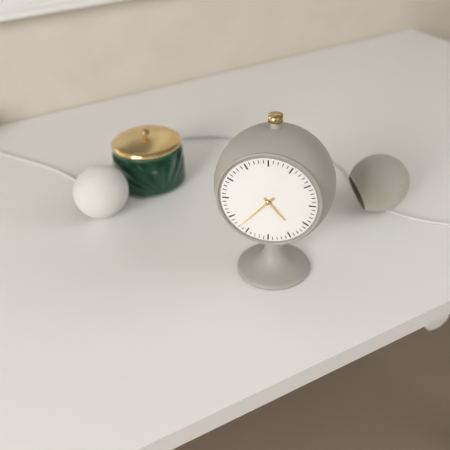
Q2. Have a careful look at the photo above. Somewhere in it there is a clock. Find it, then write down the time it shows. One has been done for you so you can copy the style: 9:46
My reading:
4:37
